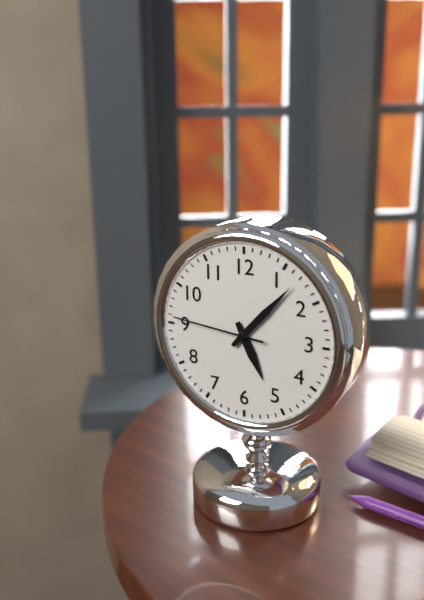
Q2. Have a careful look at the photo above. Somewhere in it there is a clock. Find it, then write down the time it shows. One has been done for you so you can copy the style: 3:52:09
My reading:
5:07:46
